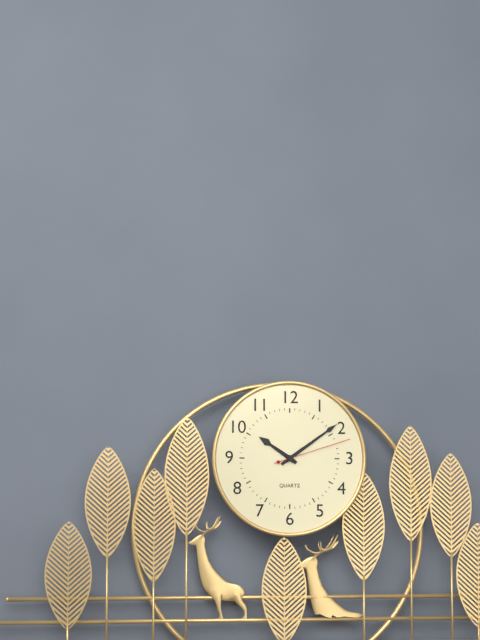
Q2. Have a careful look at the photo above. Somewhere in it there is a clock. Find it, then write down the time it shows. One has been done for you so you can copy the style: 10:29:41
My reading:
10:09:12
